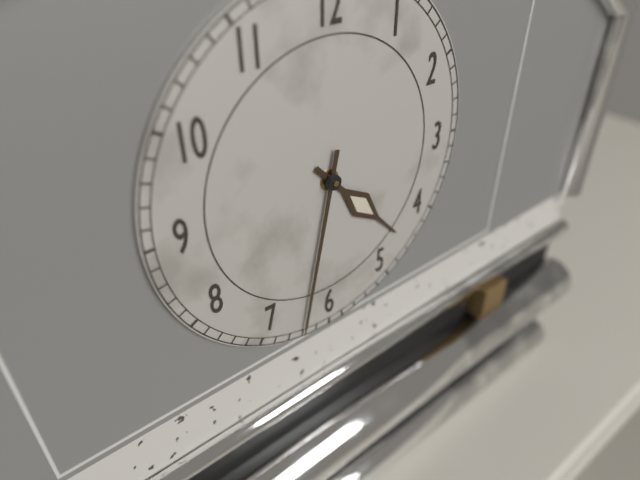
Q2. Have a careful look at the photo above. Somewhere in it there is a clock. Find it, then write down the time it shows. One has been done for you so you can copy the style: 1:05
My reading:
4:32
